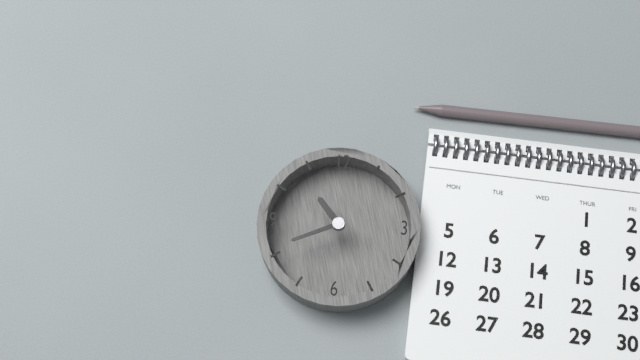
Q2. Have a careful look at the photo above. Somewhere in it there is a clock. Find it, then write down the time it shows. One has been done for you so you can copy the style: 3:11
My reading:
10:41
